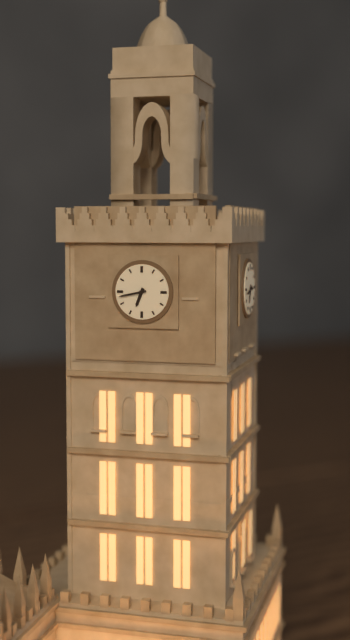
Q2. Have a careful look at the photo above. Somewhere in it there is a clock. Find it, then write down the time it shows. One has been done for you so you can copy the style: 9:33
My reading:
6:43
